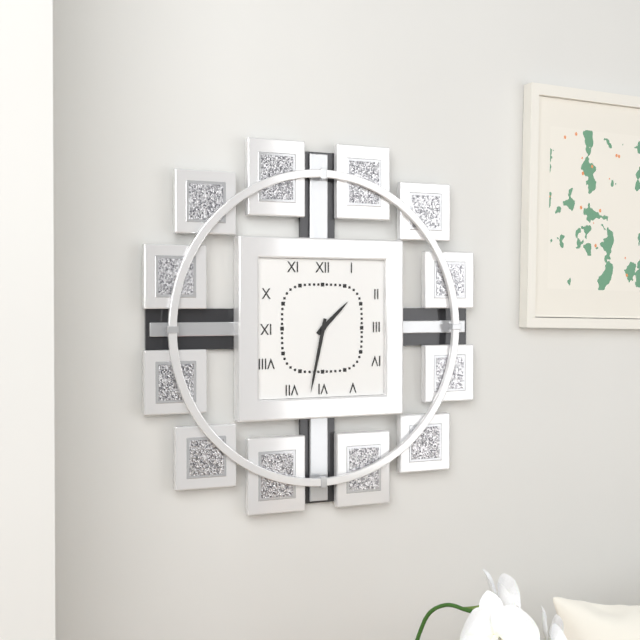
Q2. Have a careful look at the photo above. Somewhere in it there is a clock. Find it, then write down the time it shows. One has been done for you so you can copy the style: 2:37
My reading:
1:32
